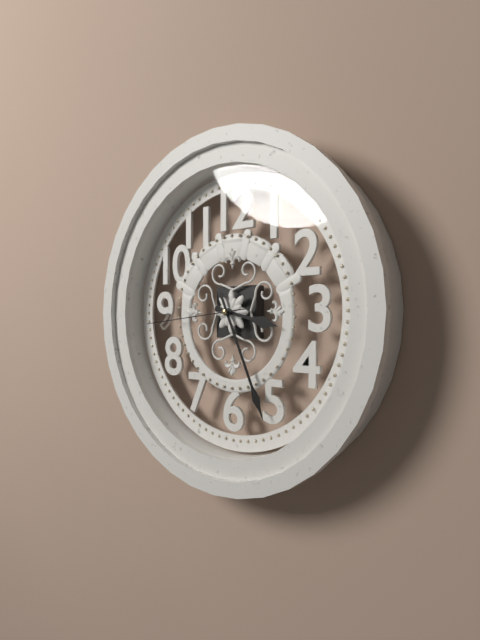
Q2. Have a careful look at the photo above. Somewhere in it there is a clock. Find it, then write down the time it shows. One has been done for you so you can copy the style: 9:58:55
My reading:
3:26:44
